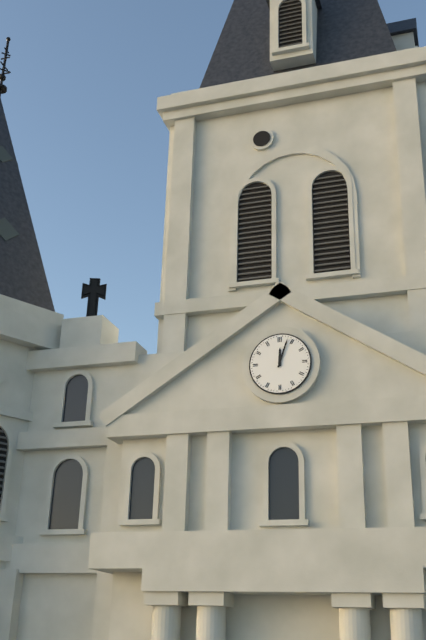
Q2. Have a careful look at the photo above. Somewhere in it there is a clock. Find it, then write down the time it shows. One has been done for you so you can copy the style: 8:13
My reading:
12:03
